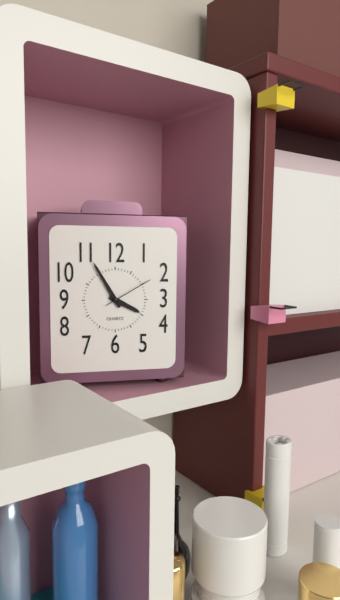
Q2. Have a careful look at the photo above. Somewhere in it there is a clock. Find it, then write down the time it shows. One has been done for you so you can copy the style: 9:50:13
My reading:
3:55:10
